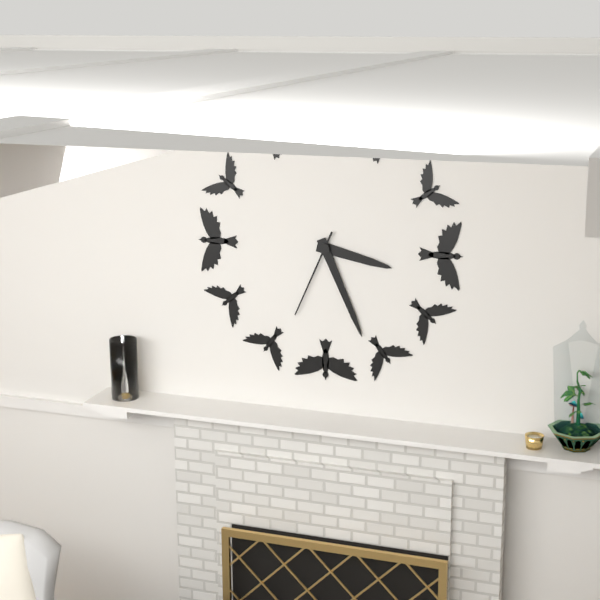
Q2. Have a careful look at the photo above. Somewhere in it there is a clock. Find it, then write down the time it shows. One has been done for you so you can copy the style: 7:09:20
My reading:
3:26:34
